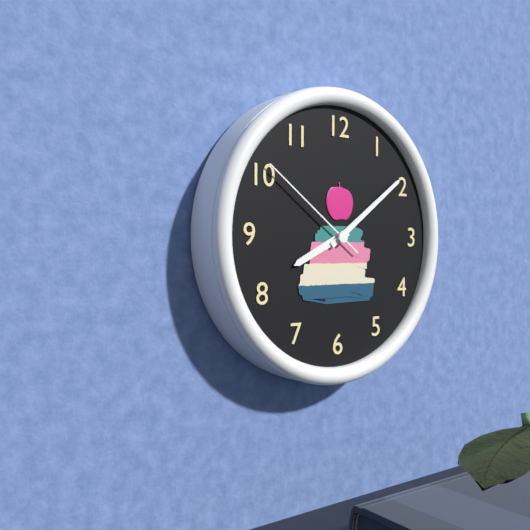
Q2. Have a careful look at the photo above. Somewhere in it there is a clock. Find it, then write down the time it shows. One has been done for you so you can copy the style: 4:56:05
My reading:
8:09:51
